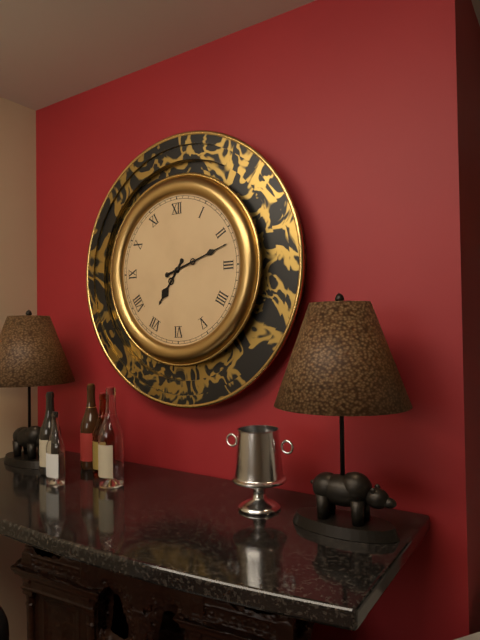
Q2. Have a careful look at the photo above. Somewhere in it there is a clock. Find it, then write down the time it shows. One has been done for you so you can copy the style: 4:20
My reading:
7:12
